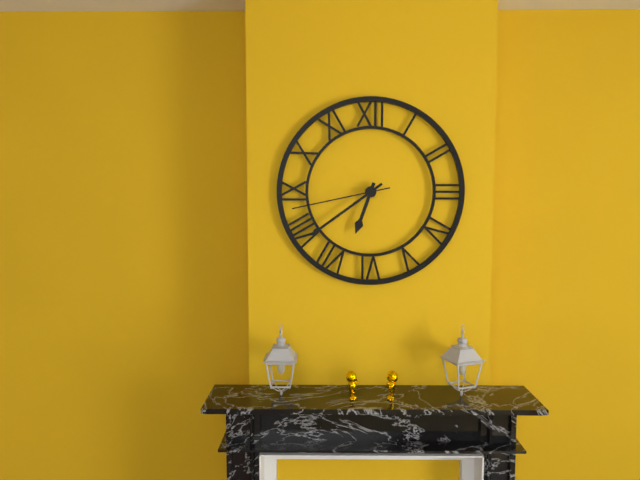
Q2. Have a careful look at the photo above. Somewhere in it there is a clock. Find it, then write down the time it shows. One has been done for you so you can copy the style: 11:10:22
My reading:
6:39:43
